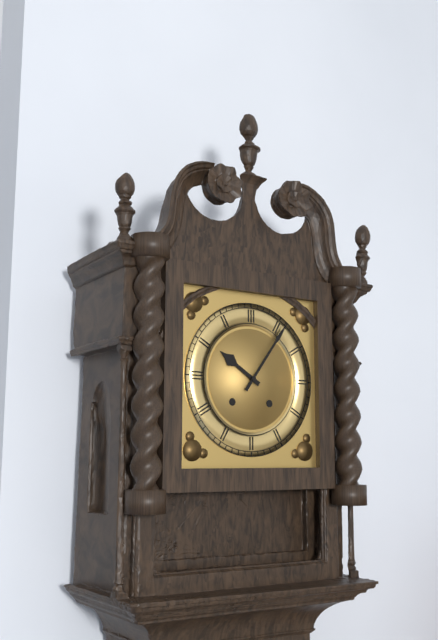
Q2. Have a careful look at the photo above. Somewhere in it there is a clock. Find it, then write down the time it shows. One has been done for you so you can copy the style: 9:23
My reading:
10:06
